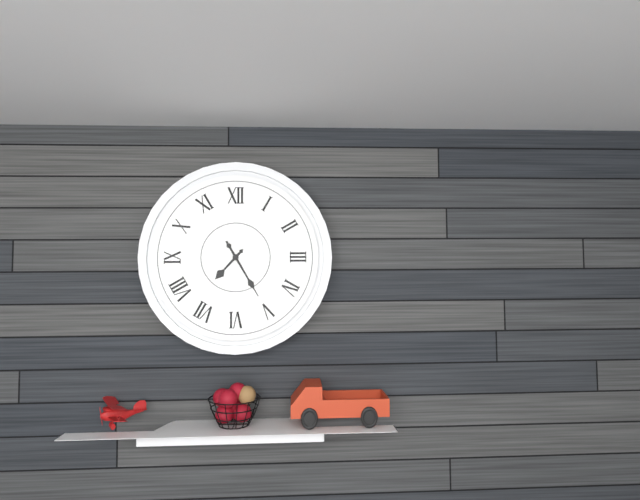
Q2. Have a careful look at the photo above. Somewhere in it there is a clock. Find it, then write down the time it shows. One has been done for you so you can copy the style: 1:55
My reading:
7:25
